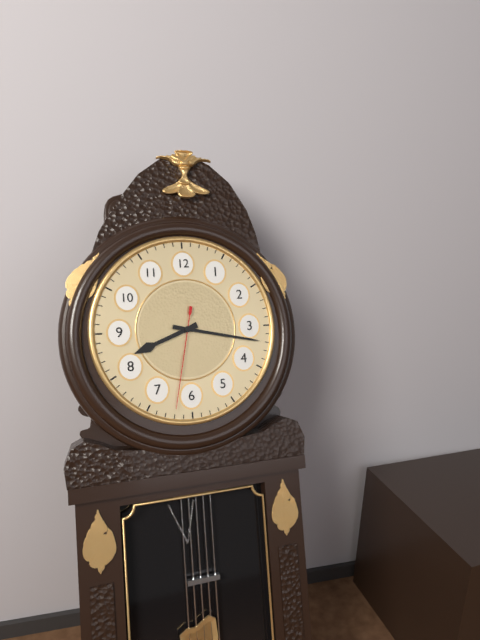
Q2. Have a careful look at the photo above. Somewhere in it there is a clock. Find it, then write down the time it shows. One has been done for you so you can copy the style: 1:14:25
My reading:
8:17:32
